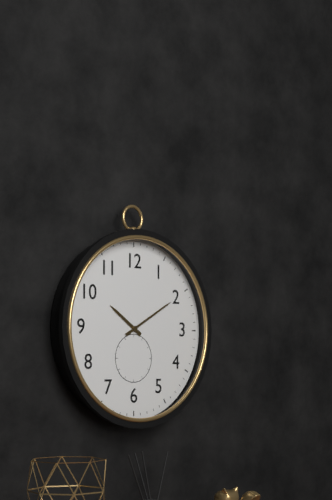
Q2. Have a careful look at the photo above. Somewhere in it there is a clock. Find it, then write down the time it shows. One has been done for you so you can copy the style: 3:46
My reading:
10:10
